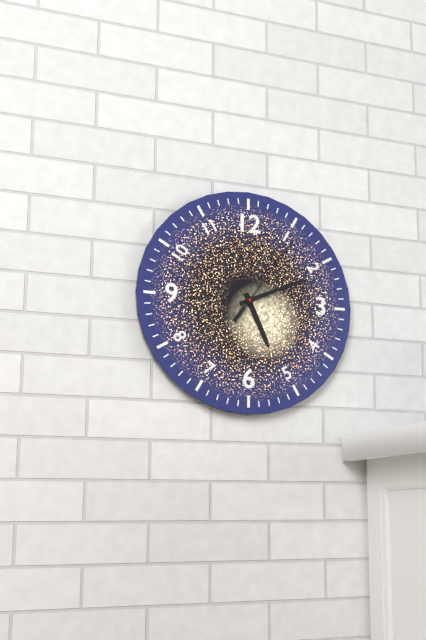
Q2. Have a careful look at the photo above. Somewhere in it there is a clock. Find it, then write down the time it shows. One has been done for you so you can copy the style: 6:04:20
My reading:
5:11:06
